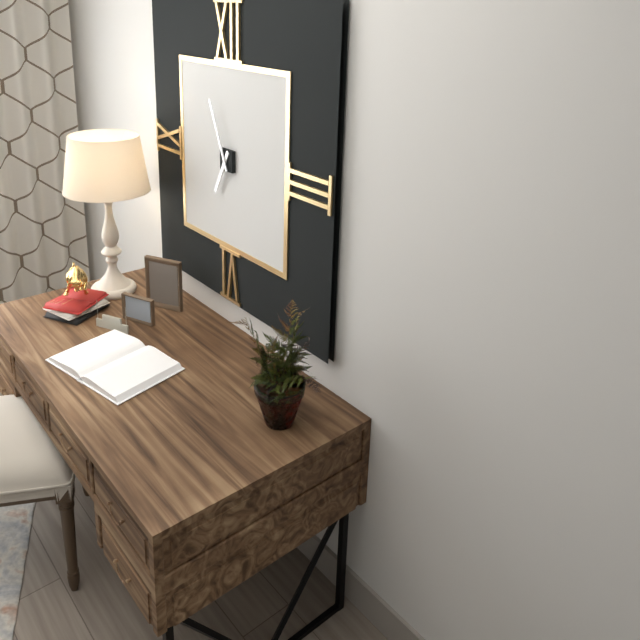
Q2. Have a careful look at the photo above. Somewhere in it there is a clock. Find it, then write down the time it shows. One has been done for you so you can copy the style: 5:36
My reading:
6:56
